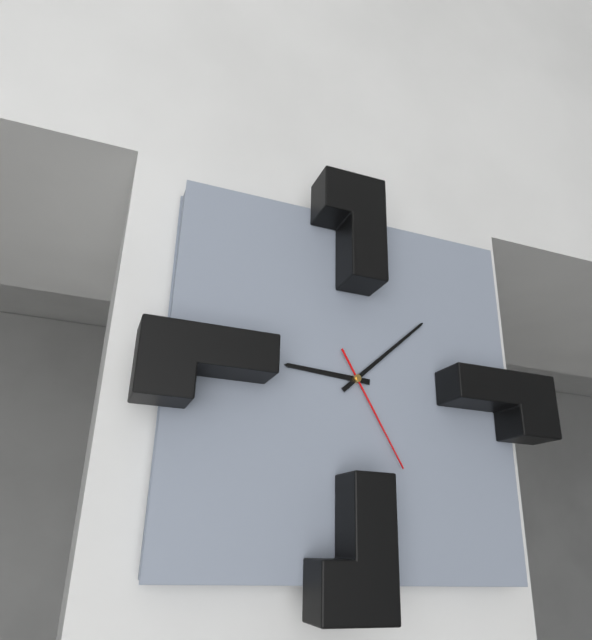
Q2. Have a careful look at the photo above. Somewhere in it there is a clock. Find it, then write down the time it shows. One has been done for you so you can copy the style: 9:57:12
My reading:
9:08:25
